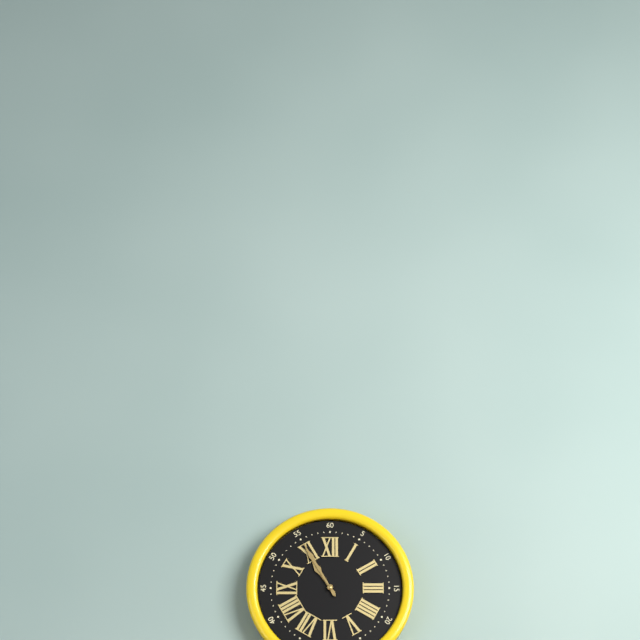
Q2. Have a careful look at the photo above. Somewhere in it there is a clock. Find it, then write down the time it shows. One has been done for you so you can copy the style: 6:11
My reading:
10:55
